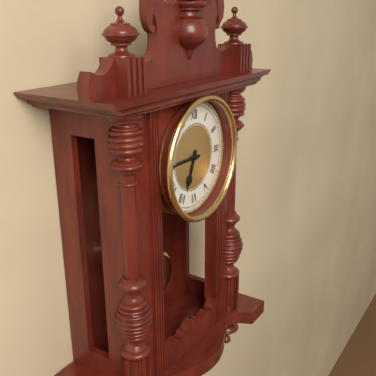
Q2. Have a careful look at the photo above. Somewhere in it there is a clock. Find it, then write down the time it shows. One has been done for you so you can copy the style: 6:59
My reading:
6:45
